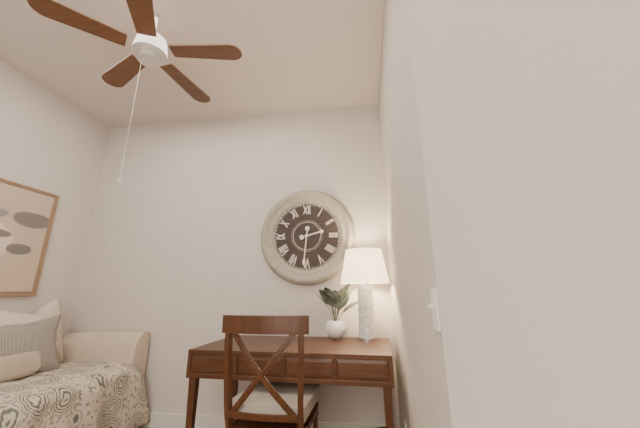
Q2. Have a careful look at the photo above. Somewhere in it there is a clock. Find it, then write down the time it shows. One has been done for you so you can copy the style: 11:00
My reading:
2:31
